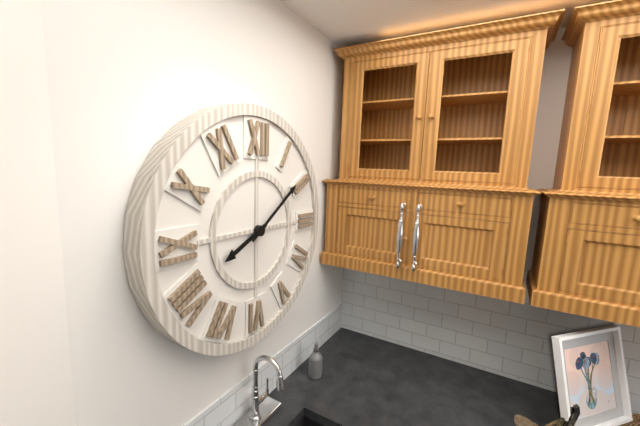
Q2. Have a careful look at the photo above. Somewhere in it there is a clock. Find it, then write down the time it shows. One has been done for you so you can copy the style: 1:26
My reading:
8:09
